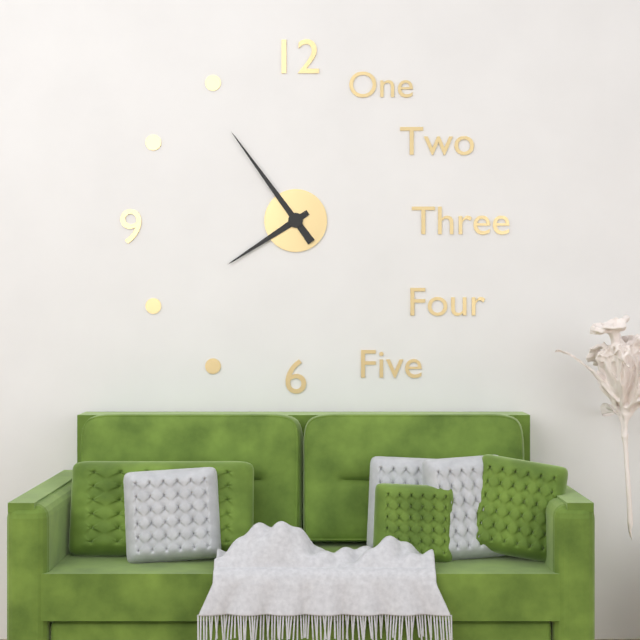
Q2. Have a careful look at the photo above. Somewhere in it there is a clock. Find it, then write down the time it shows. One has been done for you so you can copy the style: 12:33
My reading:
7:54
